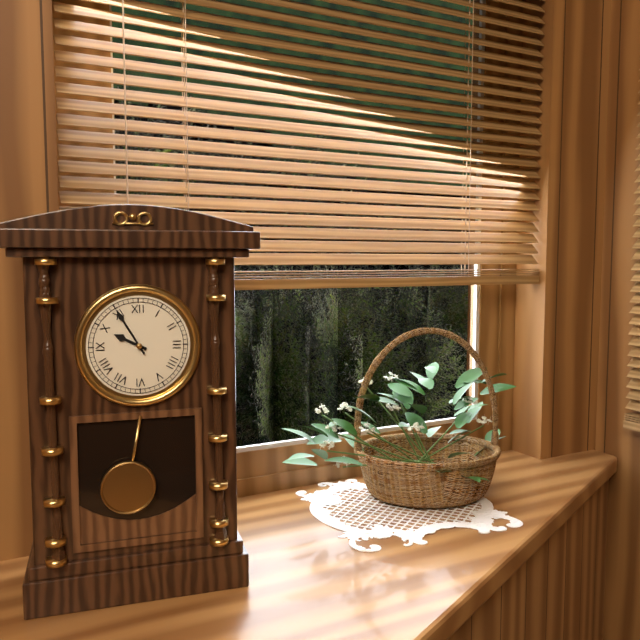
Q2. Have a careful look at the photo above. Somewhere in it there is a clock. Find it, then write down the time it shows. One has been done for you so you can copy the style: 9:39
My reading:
9:55
